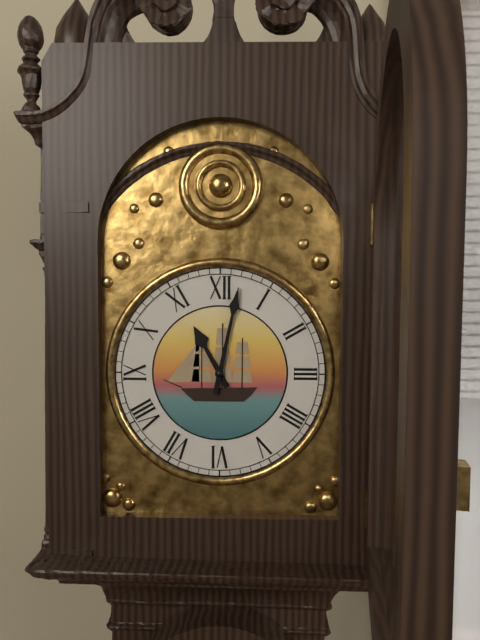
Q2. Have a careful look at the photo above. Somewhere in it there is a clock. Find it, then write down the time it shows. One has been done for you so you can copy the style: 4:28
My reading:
11:02
